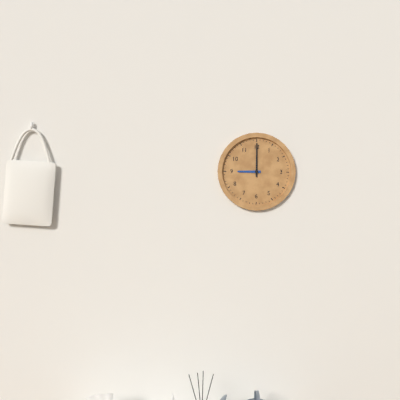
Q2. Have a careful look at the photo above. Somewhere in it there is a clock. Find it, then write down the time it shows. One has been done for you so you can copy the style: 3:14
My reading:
9:00
